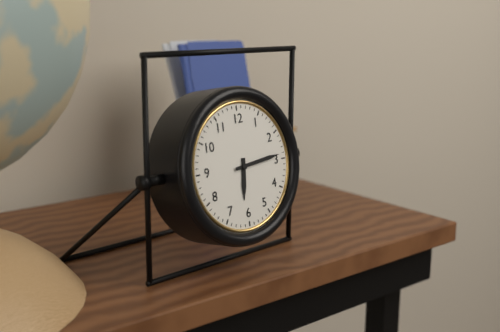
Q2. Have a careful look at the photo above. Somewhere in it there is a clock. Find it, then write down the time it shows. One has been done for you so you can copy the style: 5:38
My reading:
6:14
